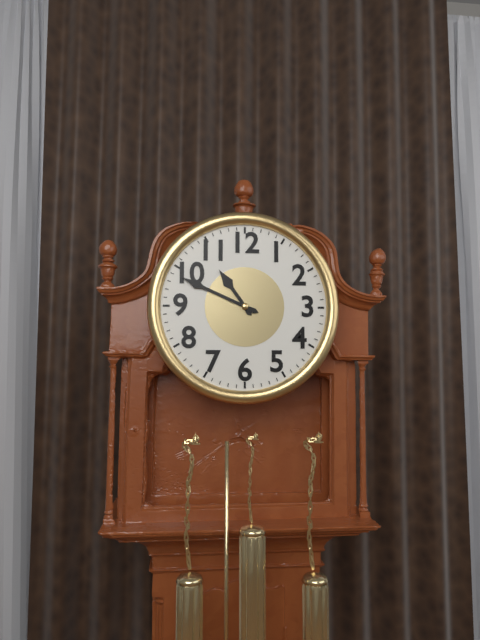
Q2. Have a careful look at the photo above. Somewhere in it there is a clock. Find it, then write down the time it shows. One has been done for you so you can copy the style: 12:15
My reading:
10:49
